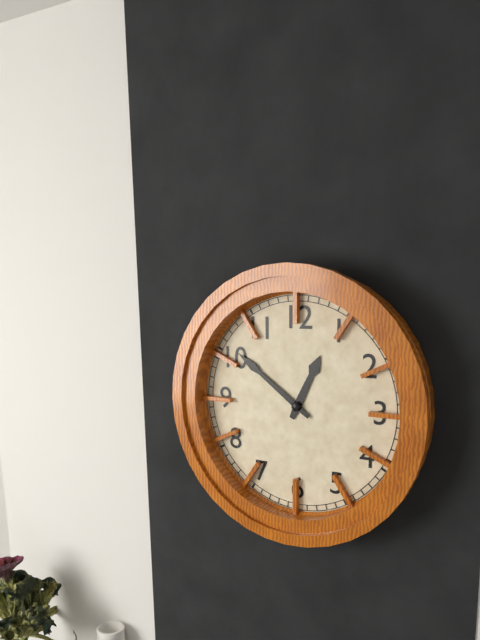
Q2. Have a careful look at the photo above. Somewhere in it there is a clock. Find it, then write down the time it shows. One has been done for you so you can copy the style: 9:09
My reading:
12:51
